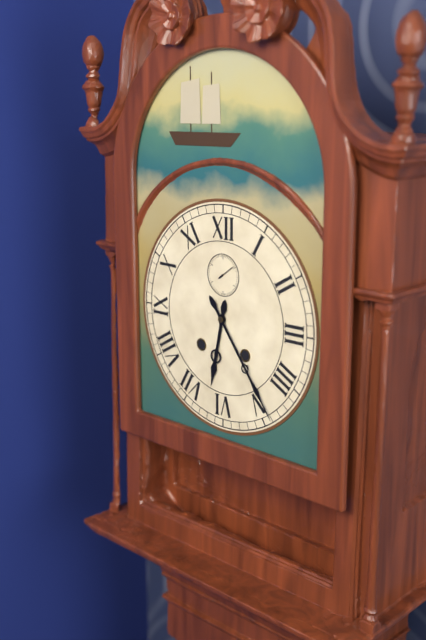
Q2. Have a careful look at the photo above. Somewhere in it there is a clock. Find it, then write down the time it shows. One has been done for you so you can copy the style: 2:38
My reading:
6:24
